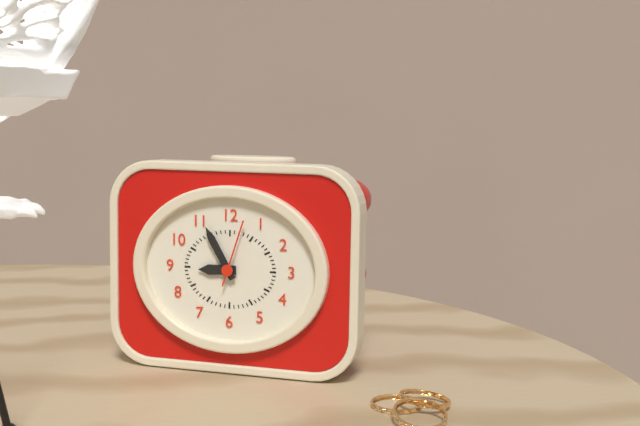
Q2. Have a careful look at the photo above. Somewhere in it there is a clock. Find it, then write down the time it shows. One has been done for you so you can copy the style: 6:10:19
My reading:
8:55:03
